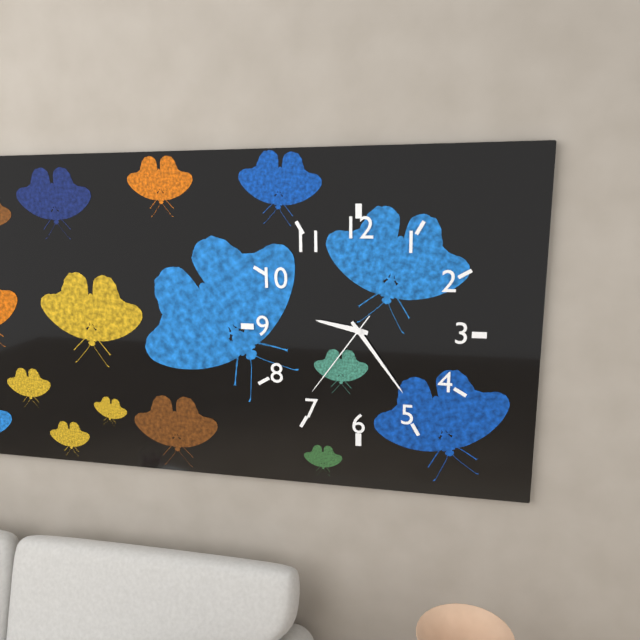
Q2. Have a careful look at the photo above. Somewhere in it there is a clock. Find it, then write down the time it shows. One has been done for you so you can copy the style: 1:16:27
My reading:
9:24:36
